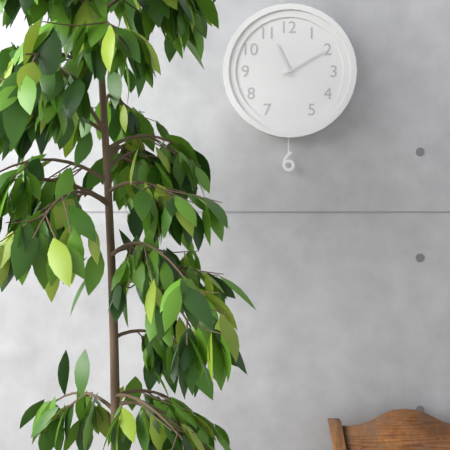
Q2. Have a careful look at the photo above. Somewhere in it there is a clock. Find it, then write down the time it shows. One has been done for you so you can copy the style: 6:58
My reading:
11:10
